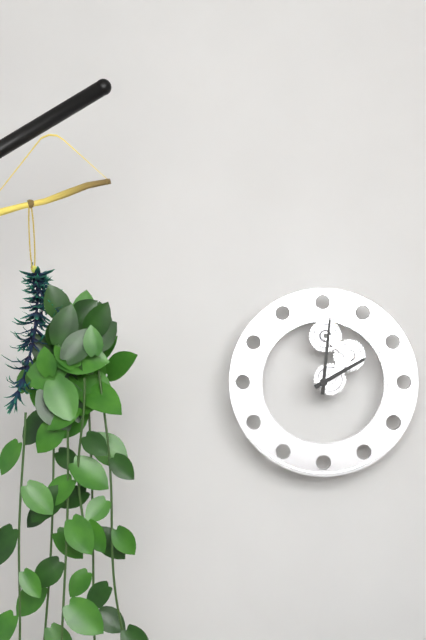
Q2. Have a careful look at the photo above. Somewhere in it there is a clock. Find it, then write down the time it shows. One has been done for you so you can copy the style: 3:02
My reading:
2:01
